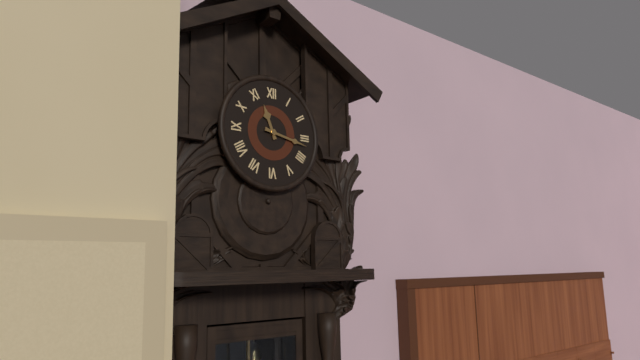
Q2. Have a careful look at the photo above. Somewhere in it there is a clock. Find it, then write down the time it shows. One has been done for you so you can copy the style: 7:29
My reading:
11:17
